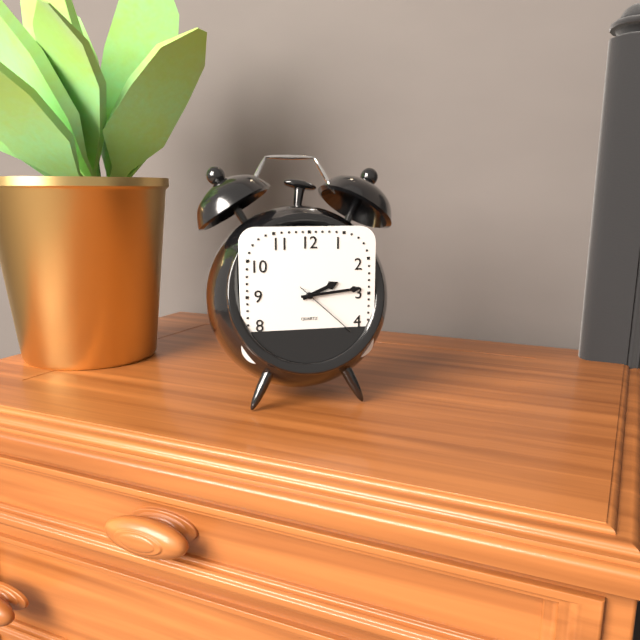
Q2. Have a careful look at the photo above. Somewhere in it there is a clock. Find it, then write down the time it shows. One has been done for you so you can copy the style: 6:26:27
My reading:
2:14:22
